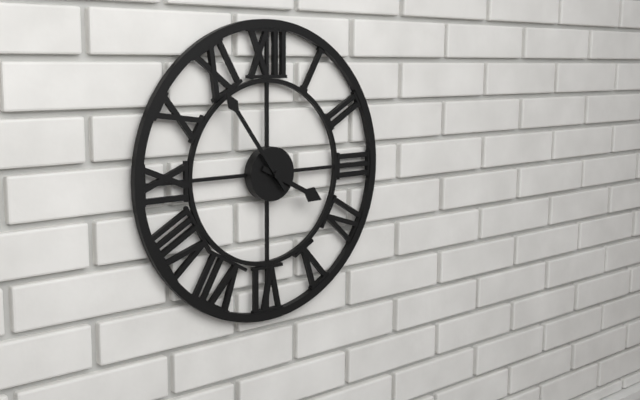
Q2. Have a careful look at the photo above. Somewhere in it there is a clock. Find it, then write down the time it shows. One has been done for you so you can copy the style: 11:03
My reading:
3:54
